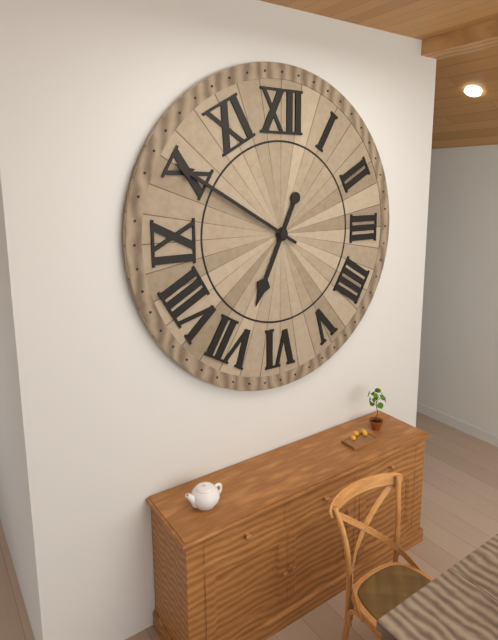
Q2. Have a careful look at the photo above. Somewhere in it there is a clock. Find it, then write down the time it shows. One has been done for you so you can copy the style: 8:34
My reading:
6:50
